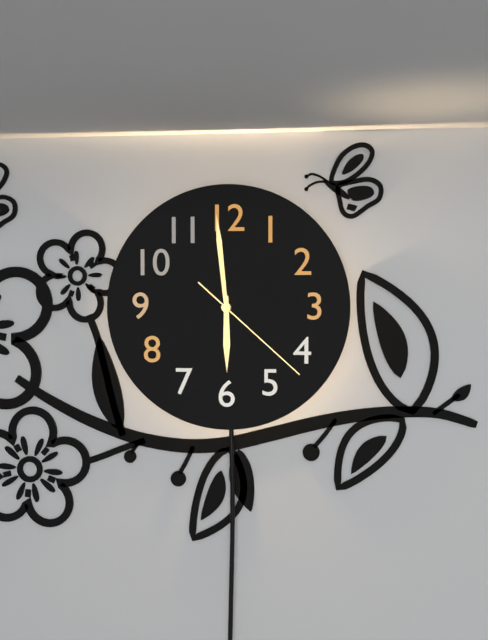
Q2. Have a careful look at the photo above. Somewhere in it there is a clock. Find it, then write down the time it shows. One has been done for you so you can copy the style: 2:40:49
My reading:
5:59:22
